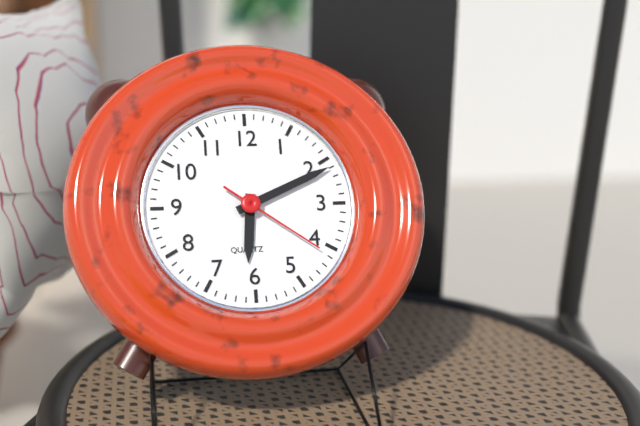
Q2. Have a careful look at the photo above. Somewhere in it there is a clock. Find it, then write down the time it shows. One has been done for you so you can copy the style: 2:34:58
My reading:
6:11:21
